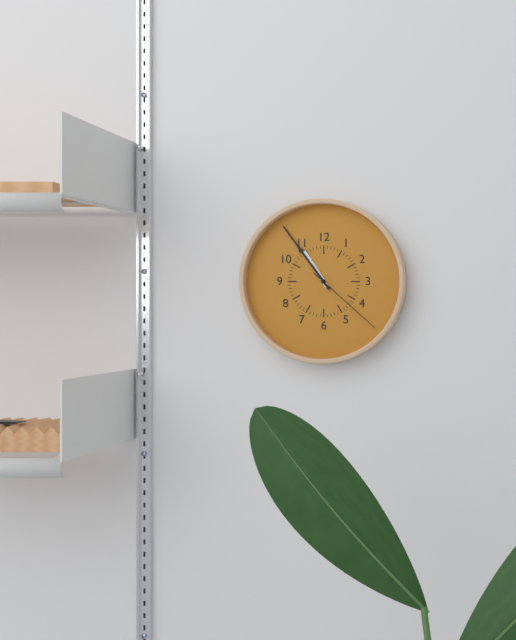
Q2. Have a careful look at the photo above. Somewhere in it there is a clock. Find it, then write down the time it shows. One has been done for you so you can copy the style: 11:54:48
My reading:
10:54:22
